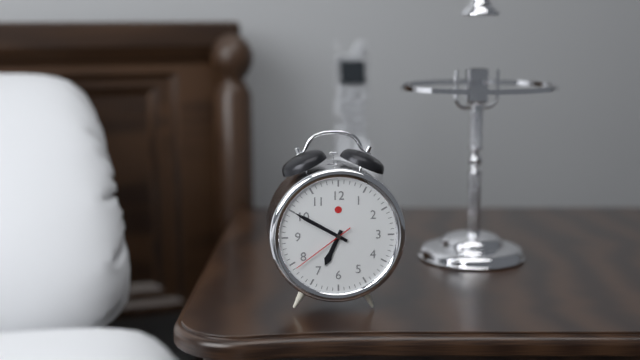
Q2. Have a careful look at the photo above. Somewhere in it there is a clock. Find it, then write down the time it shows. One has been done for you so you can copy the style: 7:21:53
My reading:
6:50:39
